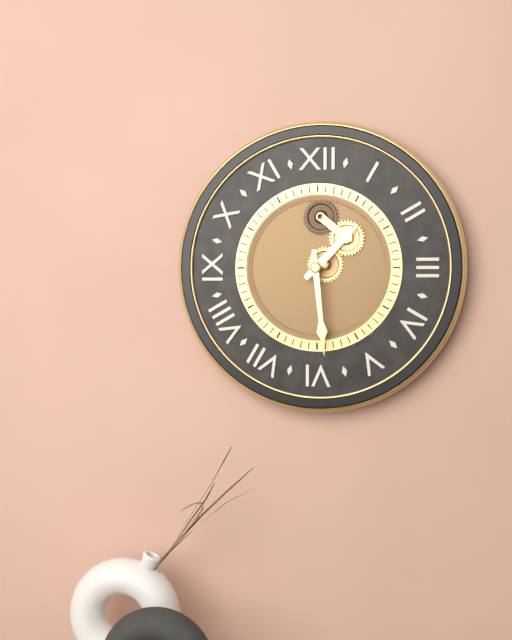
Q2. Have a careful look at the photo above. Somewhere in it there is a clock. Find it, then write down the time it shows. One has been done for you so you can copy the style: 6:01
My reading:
1:29
